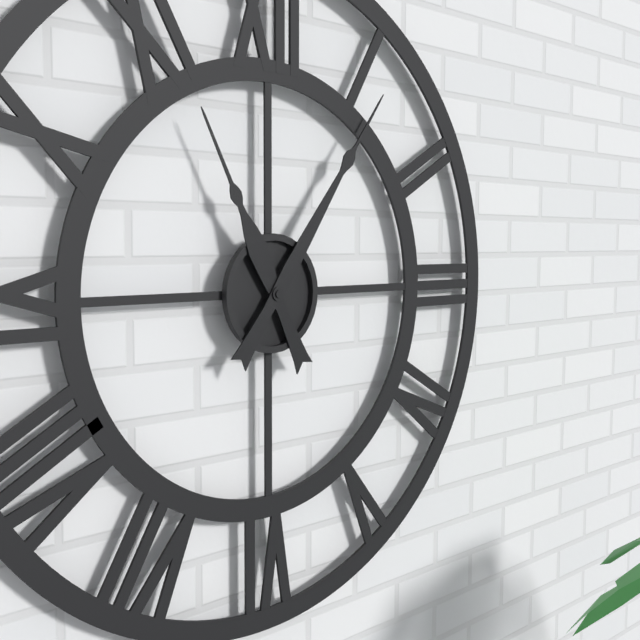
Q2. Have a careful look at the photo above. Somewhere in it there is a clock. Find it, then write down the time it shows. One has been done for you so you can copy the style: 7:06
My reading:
11:06
